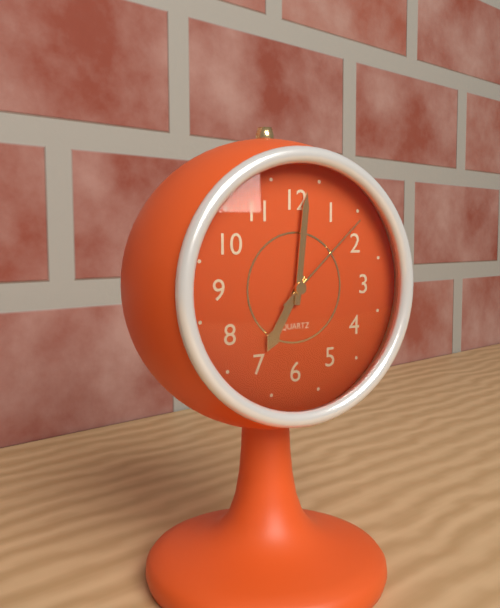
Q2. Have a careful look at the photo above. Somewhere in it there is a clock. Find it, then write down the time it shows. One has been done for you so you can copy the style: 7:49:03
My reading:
7:01:08
